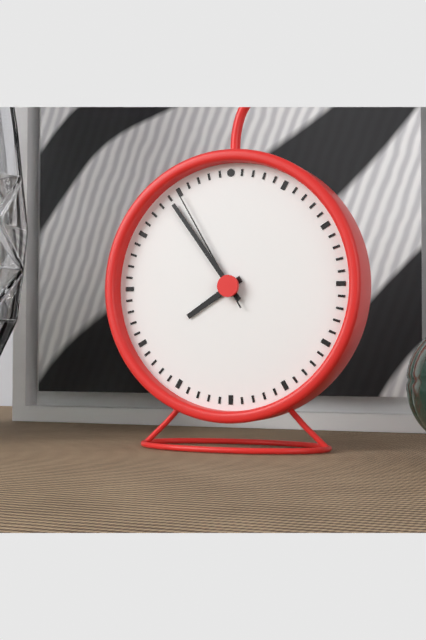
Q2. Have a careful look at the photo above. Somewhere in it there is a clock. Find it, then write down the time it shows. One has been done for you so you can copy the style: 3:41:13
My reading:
7:54:55
